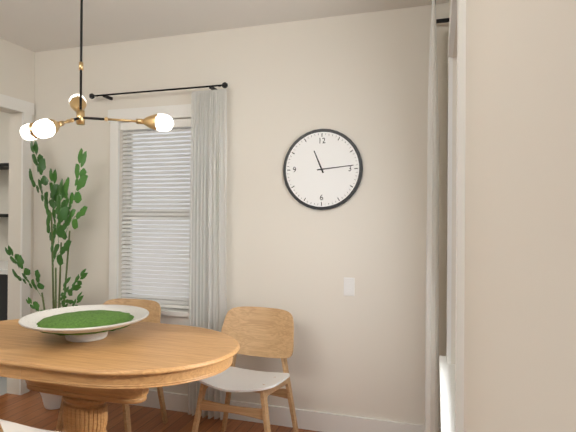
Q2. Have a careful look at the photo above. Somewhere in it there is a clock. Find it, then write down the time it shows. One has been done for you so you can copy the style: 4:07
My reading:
11:14
